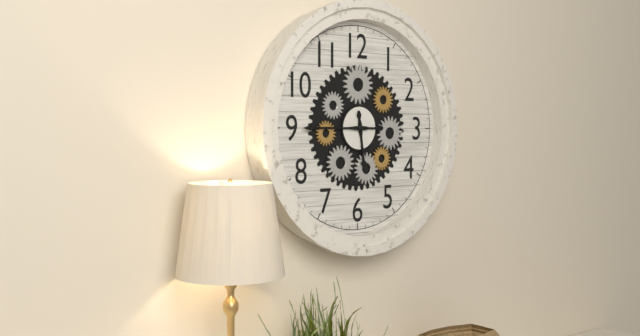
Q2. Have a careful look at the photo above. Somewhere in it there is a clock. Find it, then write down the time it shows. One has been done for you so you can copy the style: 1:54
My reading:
5:45
